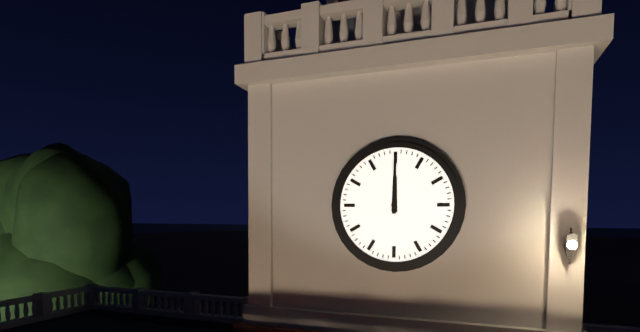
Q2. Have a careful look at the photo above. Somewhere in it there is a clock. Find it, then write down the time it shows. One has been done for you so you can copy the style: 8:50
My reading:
12:00
